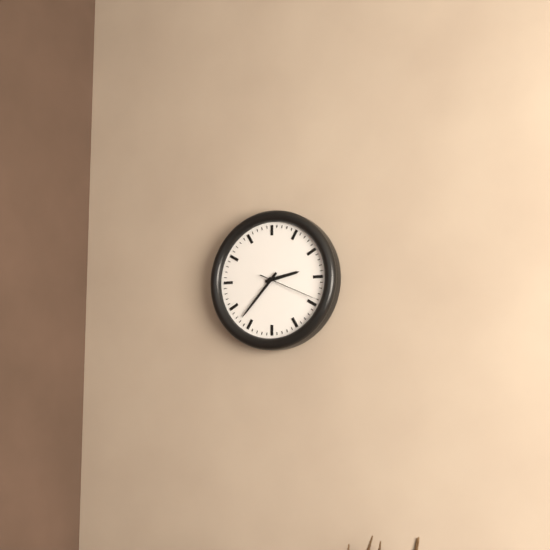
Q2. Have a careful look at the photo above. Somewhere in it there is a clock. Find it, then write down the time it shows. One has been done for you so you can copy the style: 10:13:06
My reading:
2:37:19
